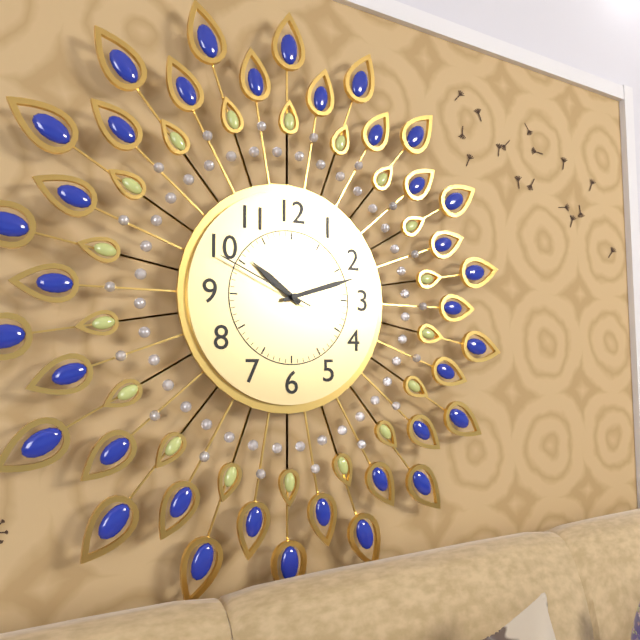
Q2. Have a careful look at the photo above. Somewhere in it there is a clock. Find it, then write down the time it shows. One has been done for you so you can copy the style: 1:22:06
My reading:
10:12:49
